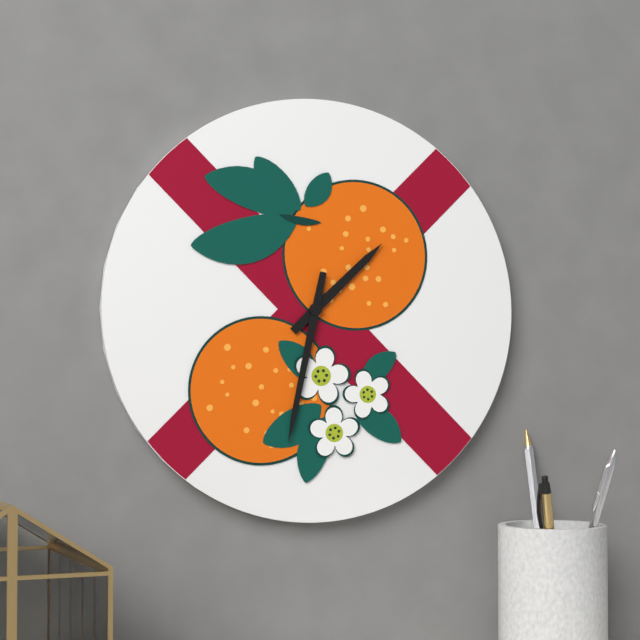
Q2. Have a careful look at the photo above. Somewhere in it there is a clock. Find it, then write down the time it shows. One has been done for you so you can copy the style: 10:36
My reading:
1:32
